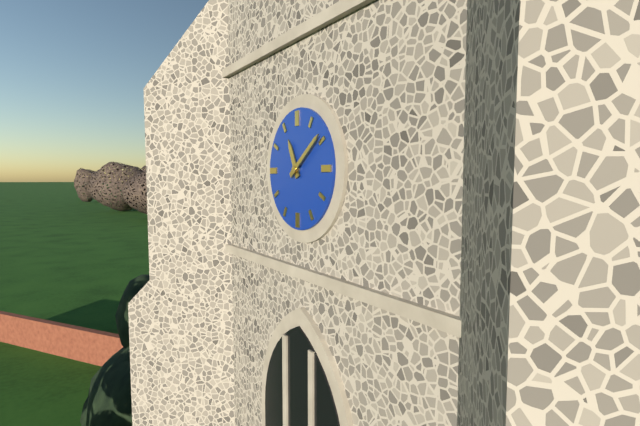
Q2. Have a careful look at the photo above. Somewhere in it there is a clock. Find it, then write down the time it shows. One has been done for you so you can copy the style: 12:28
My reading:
11:09
